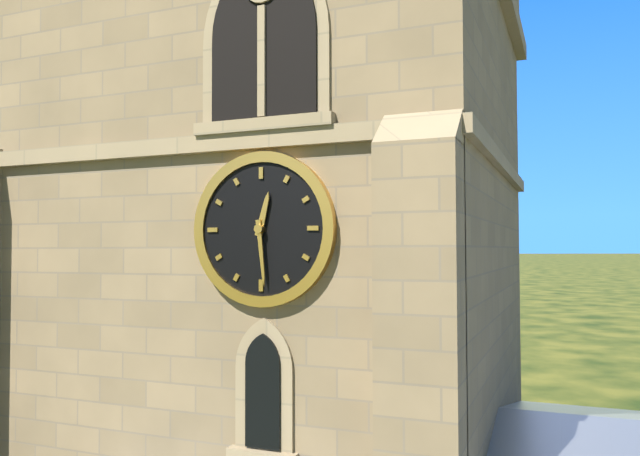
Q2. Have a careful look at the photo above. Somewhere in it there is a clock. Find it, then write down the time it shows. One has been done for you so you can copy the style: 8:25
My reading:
12:29
